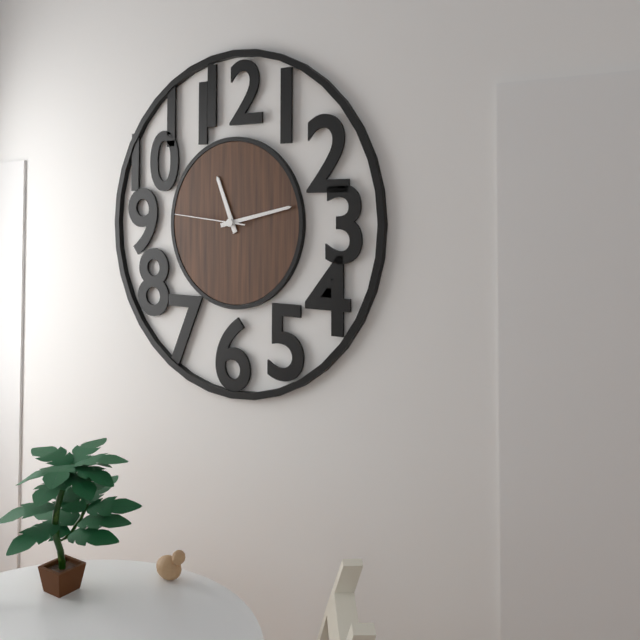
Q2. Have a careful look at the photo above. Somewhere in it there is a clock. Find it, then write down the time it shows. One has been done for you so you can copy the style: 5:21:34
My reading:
11:13:46
